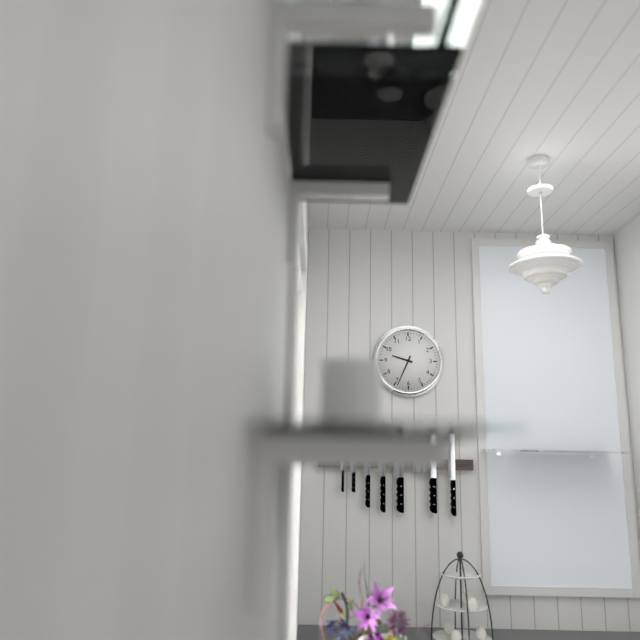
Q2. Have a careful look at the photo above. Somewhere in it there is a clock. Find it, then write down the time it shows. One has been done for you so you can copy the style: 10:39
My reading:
9:34
